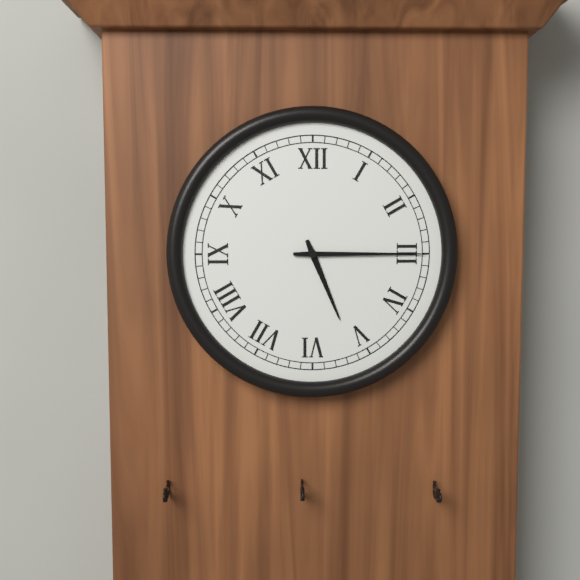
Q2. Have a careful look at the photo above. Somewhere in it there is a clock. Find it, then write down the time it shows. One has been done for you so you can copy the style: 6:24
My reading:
5:15
